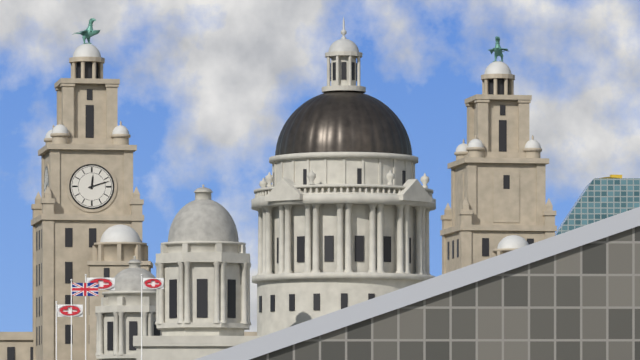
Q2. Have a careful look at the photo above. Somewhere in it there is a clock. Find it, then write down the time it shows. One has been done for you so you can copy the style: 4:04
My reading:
12:12
